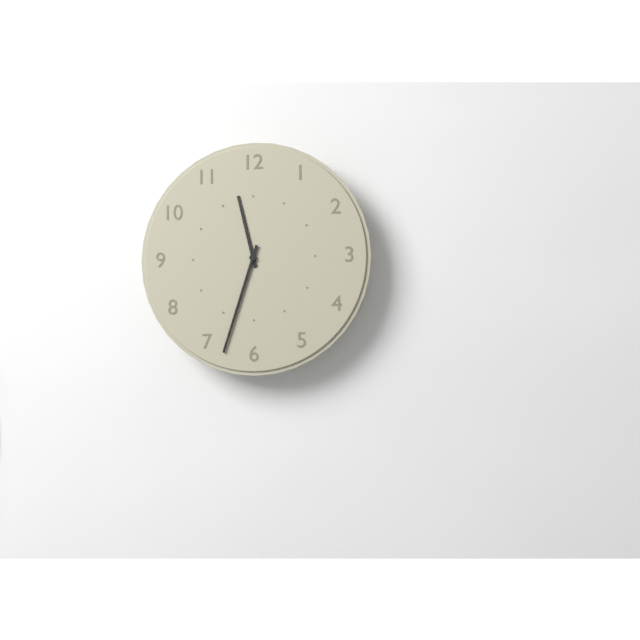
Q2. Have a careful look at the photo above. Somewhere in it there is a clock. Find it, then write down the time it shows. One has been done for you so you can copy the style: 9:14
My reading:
11:33
